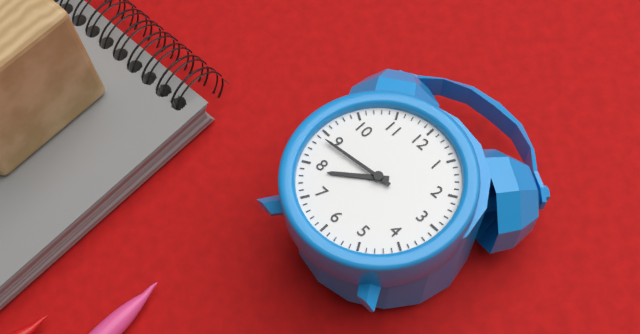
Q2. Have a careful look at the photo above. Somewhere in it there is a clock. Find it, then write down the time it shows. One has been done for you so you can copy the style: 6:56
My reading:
7:44
